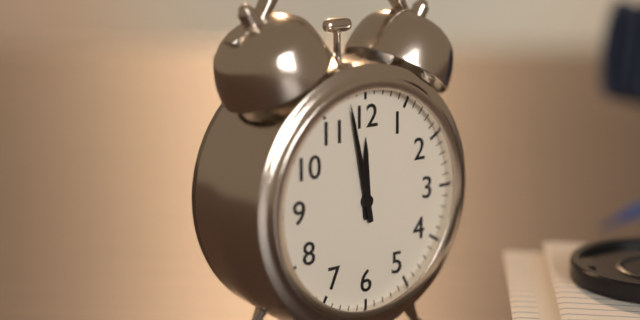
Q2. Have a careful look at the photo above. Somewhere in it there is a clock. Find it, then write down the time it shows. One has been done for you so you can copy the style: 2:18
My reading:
11:58
